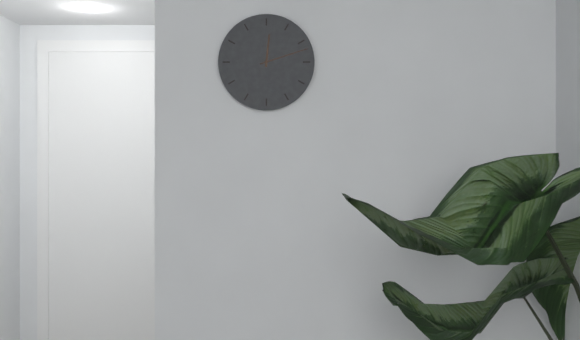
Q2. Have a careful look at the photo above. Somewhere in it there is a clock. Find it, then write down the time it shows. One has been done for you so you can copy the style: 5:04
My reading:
12:12
